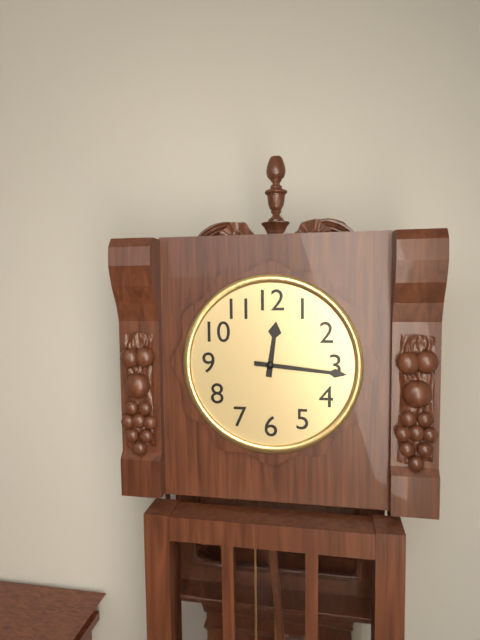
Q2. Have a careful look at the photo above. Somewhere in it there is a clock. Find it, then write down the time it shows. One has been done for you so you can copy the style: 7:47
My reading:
12:16
